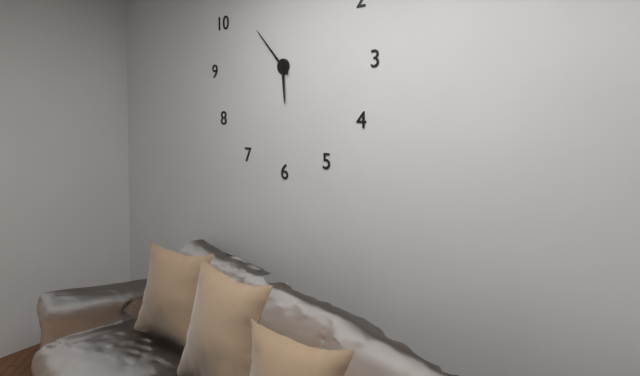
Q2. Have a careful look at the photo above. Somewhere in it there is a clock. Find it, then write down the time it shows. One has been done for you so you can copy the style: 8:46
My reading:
5:53
